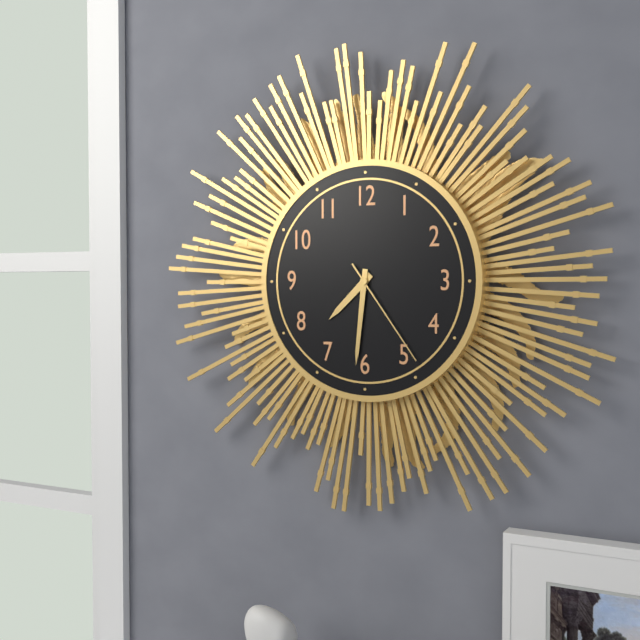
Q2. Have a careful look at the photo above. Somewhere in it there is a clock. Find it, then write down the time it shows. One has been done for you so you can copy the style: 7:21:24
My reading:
7:31:24
